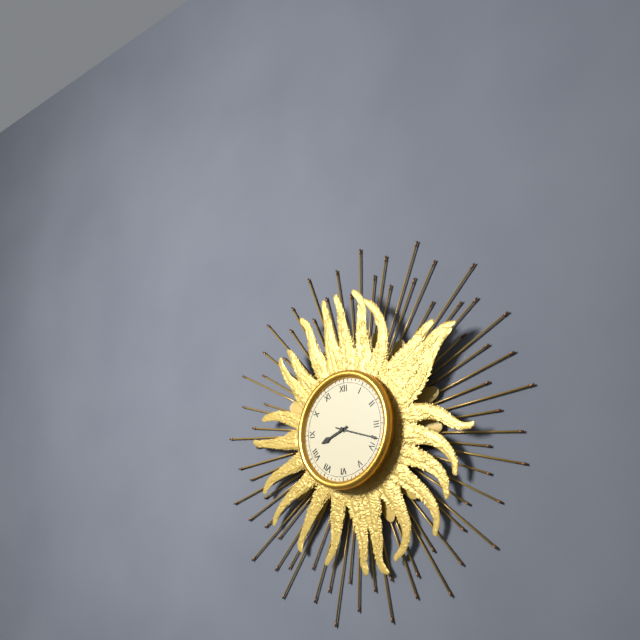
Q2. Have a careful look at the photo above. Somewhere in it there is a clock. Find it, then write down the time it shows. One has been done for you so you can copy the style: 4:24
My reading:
8:18
